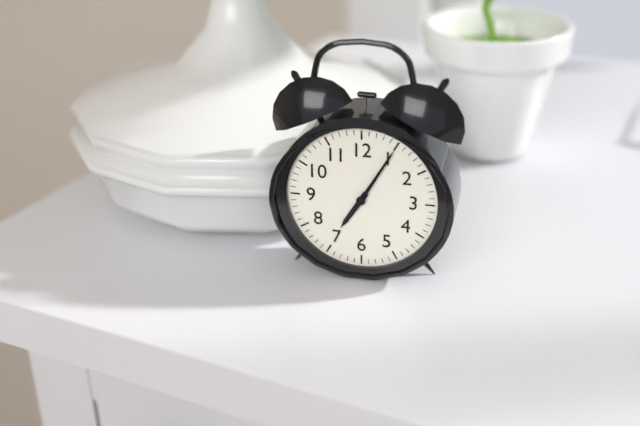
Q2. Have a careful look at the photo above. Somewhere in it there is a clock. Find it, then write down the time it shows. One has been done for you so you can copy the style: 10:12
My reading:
7:05
